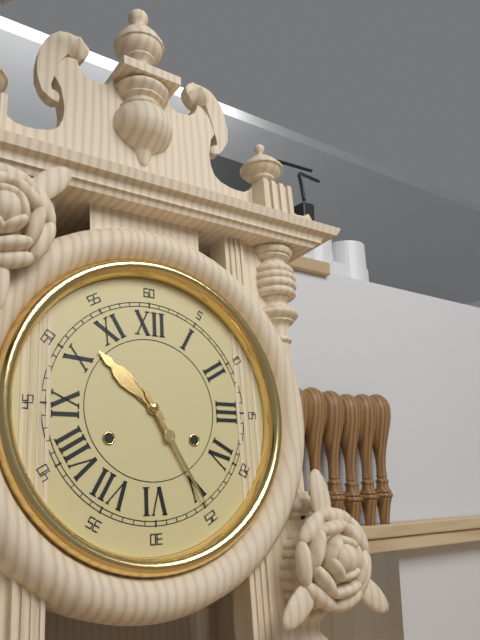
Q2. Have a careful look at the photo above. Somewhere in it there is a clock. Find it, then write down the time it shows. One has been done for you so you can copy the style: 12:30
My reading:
10:25
